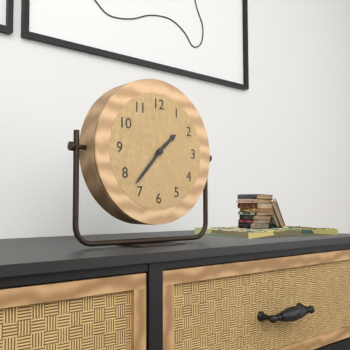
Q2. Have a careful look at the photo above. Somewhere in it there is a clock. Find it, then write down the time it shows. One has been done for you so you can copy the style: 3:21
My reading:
1:37
